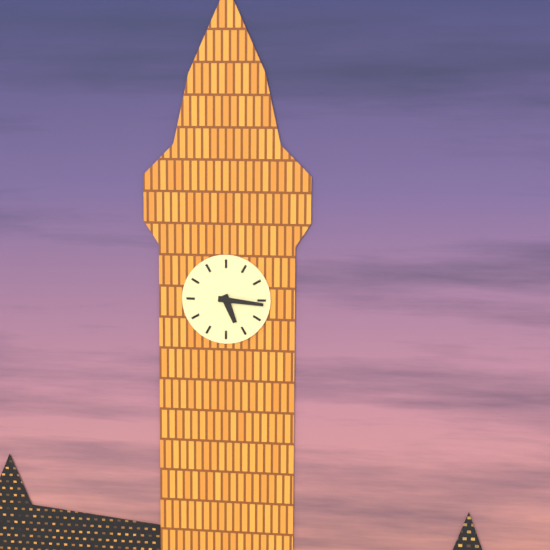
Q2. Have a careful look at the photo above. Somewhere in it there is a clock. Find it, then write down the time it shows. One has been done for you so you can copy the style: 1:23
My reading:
5:16
